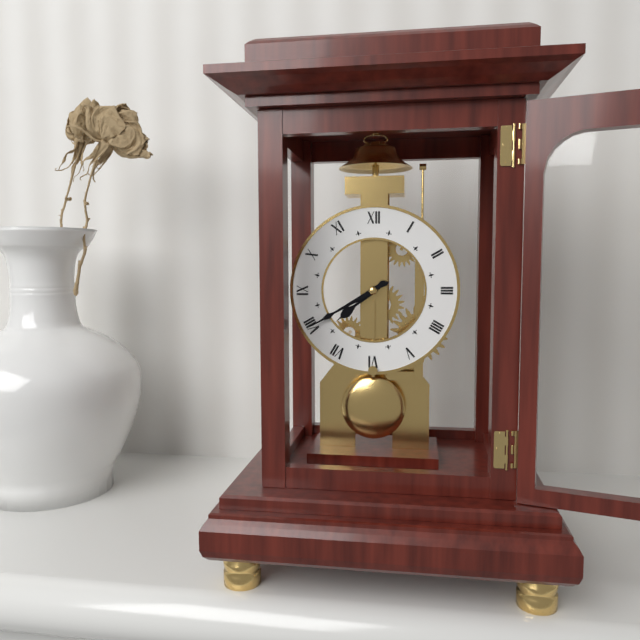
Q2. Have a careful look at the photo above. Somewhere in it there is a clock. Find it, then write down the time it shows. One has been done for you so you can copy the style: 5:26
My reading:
7:40
